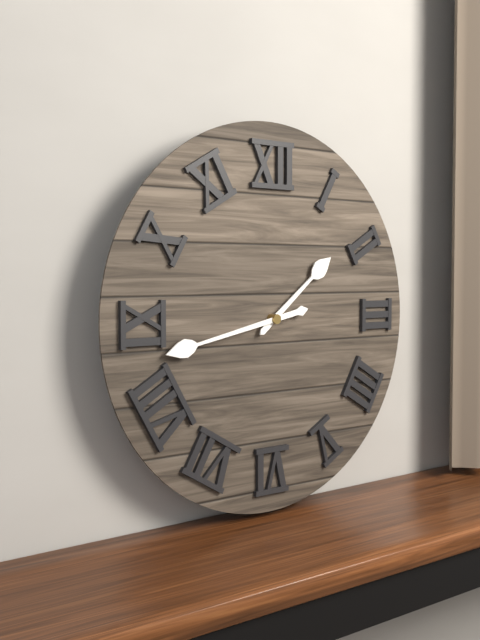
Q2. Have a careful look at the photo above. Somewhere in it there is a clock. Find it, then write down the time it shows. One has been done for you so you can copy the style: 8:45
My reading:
1:43
